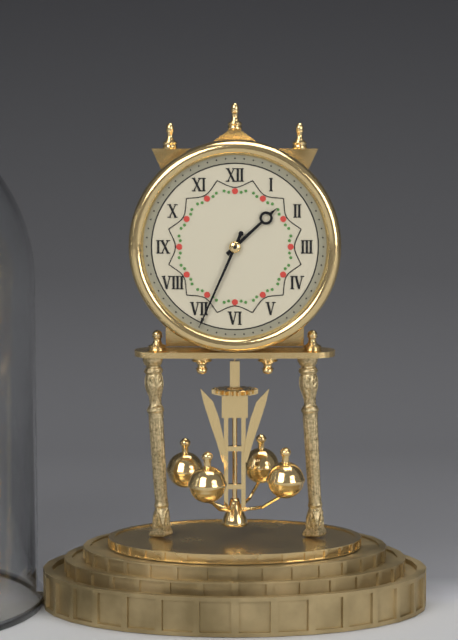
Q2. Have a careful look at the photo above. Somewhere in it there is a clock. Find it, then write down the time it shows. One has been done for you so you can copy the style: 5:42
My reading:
1:34
